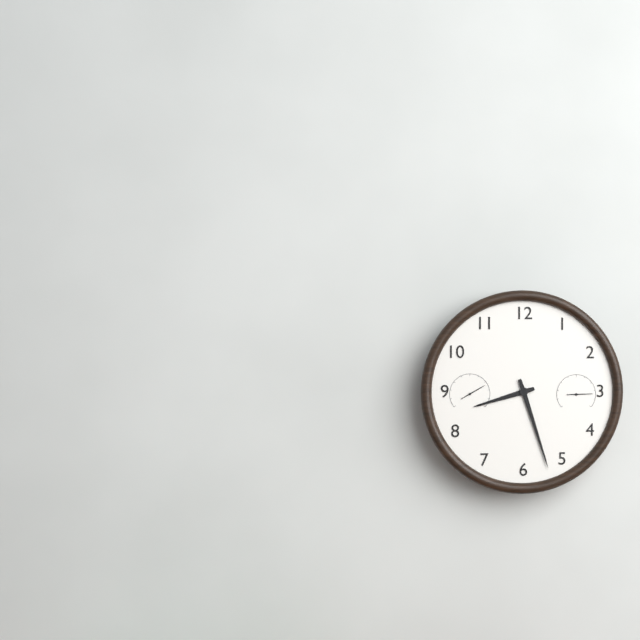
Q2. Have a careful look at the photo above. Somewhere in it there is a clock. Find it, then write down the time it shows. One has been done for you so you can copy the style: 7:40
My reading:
8:27
